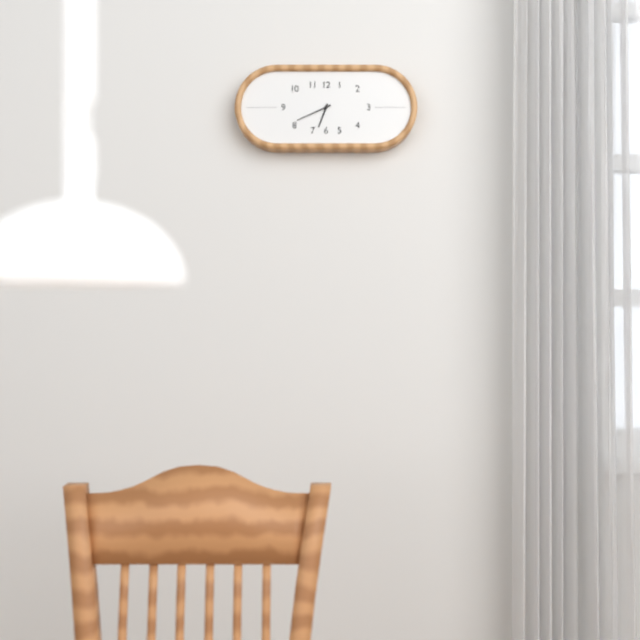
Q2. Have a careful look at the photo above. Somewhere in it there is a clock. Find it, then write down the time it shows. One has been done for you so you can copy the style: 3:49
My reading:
6:41
